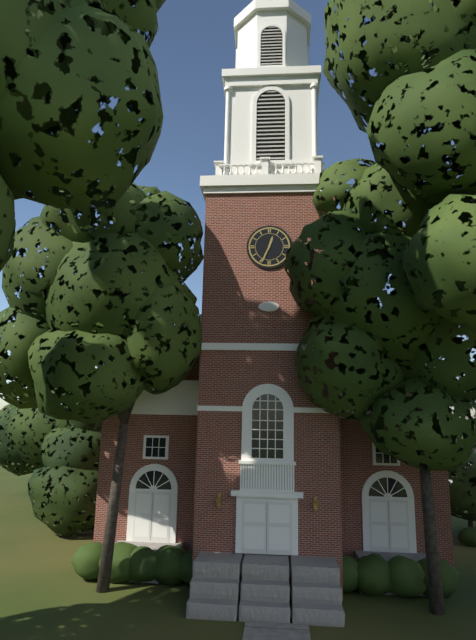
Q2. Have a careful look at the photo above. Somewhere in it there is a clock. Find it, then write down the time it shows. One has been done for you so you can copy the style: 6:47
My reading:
12:34
